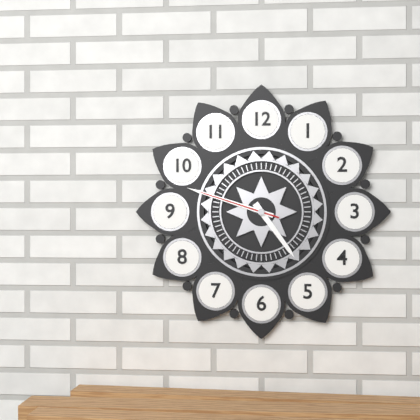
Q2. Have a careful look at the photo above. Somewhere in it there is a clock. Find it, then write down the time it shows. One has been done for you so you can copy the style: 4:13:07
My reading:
4:48:48
